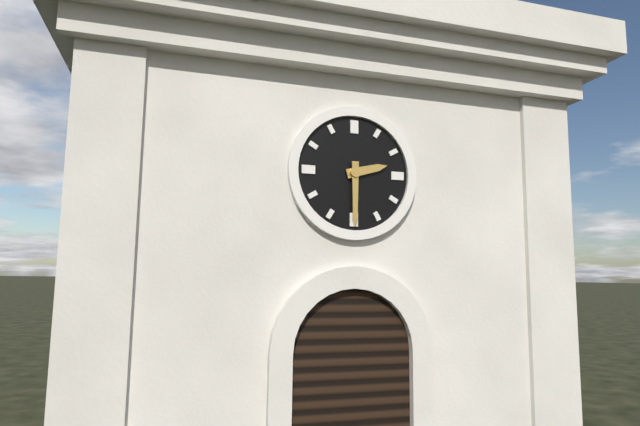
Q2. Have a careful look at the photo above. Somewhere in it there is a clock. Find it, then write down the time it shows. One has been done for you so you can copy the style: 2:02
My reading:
2:30
